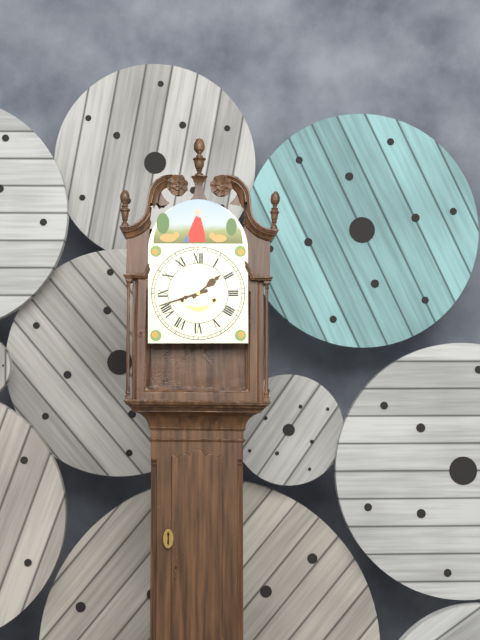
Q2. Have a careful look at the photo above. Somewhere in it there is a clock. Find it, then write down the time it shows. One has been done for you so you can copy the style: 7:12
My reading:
1:42
